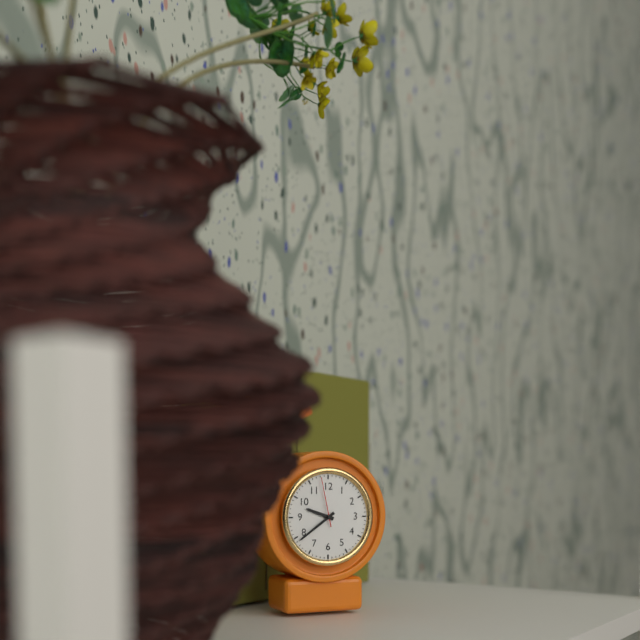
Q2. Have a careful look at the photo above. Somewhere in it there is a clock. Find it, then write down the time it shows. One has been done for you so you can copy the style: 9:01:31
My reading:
9:39:58
